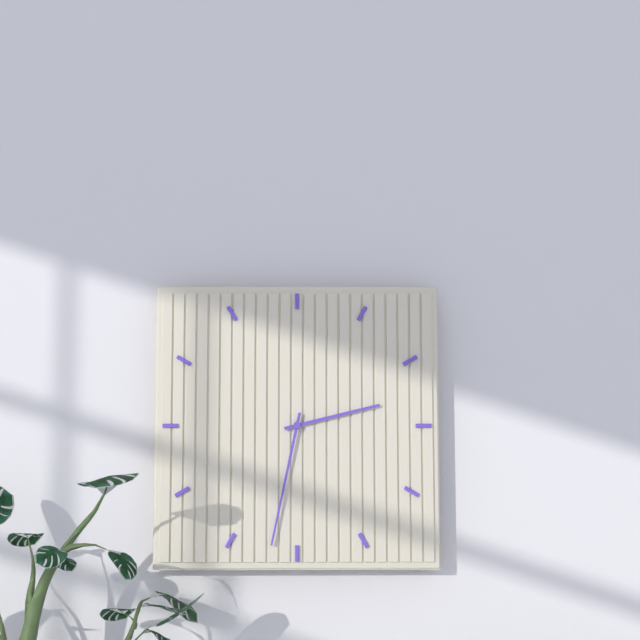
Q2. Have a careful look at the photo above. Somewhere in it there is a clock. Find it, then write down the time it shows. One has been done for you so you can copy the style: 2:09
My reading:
2:32
